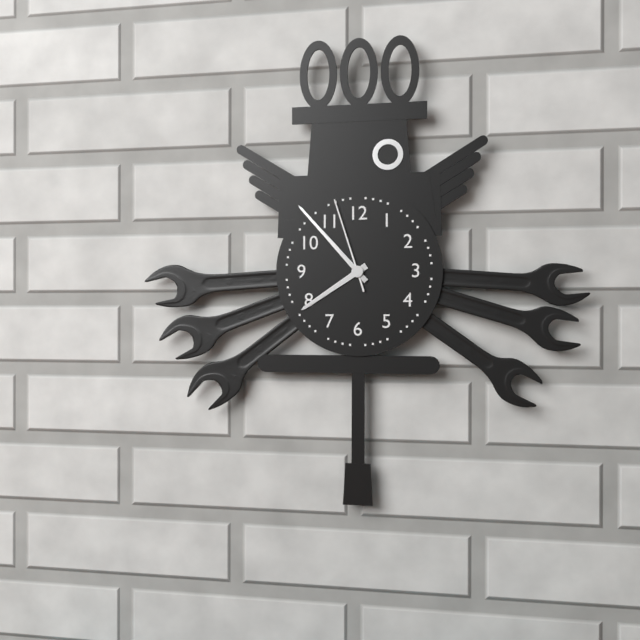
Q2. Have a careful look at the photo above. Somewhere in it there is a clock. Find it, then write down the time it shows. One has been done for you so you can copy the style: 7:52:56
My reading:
7:53:57
